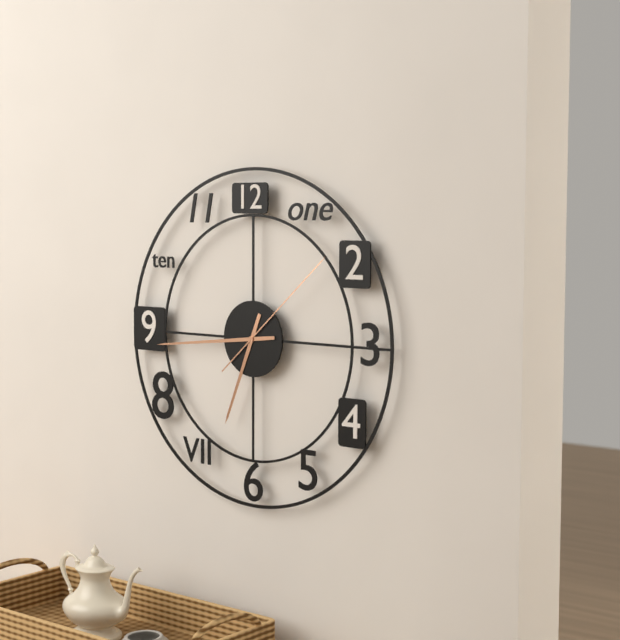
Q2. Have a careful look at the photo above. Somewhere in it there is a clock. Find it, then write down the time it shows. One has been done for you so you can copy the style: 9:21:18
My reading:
6:44:08
